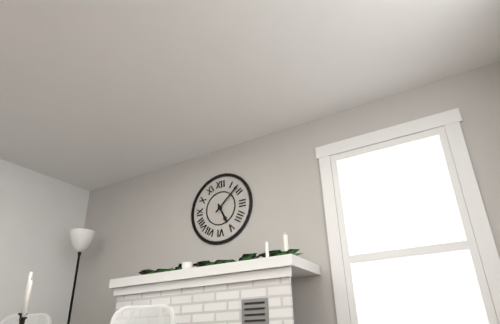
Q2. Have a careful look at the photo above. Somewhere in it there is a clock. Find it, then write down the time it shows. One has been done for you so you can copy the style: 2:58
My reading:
5:08
